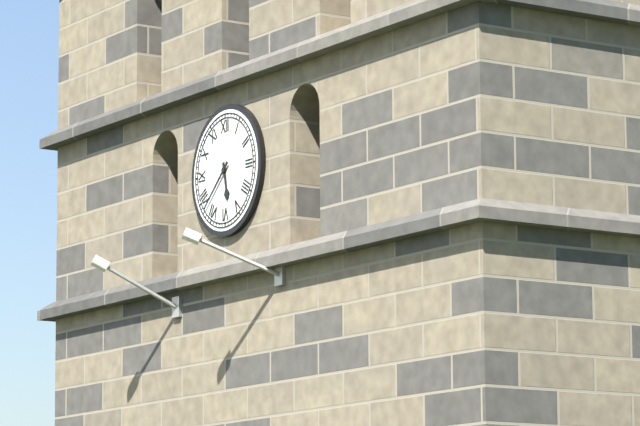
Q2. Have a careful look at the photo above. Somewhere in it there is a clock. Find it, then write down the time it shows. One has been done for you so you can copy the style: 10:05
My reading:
5:38
